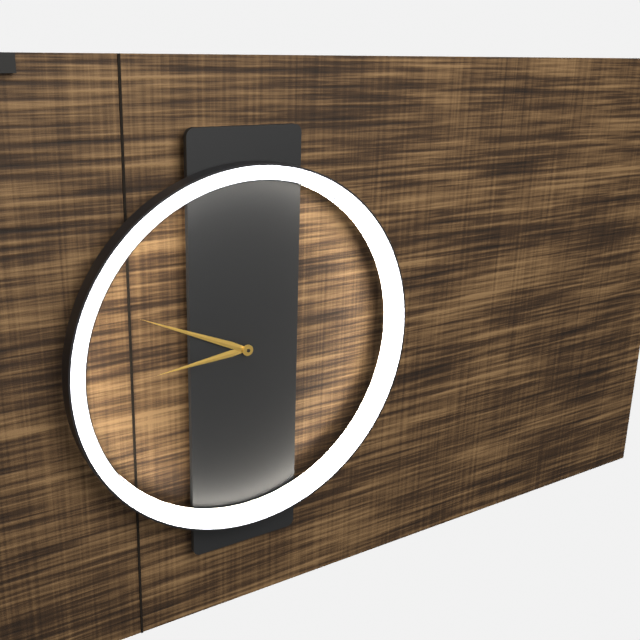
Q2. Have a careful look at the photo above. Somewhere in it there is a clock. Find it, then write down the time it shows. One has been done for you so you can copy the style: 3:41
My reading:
8:49
